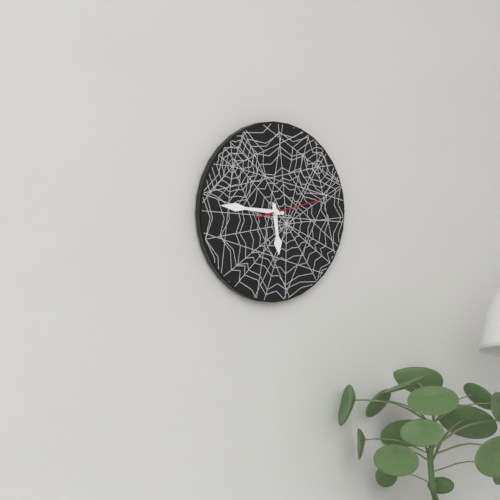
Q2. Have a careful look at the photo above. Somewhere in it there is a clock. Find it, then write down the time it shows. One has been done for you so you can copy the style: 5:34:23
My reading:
5:46:13
